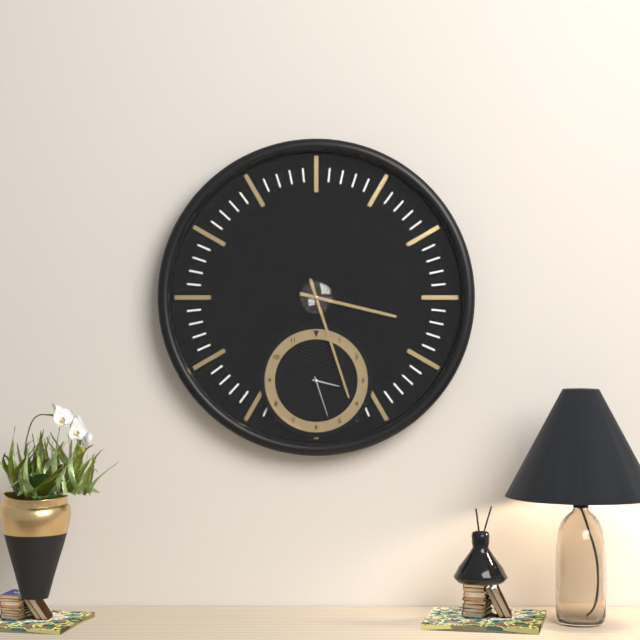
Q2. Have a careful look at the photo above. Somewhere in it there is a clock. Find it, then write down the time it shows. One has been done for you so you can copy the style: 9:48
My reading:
3:27
